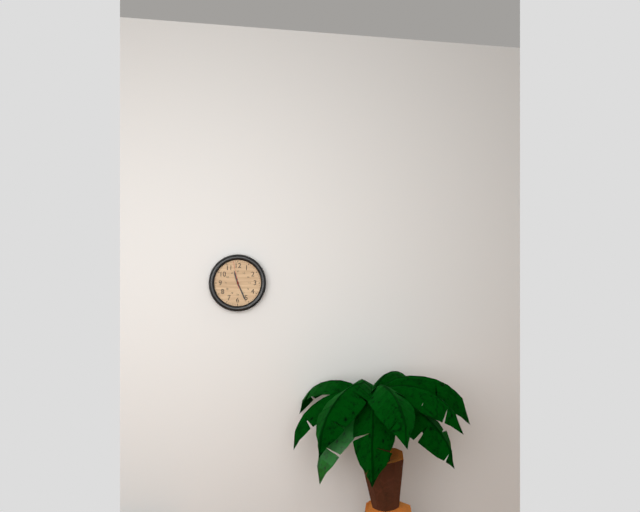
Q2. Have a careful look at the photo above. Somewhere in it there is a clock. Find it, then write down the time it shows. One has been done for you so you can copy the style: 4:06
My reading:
11:26
